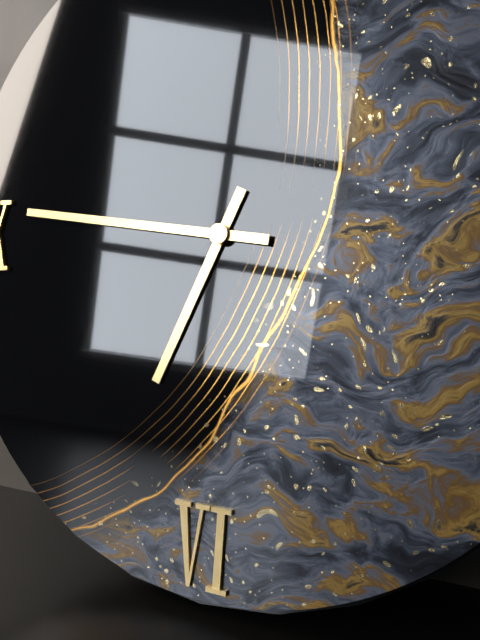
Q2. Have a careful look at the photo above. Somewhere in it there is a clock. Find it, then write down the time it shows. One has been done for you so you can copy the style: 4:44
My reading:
6:46
